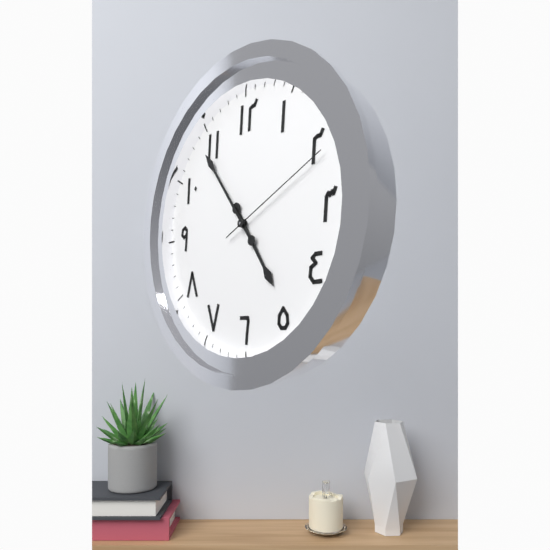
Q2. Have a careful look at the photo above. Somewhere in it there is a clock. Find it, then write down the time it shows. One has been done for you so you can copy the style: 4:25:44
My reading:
4:54:11
